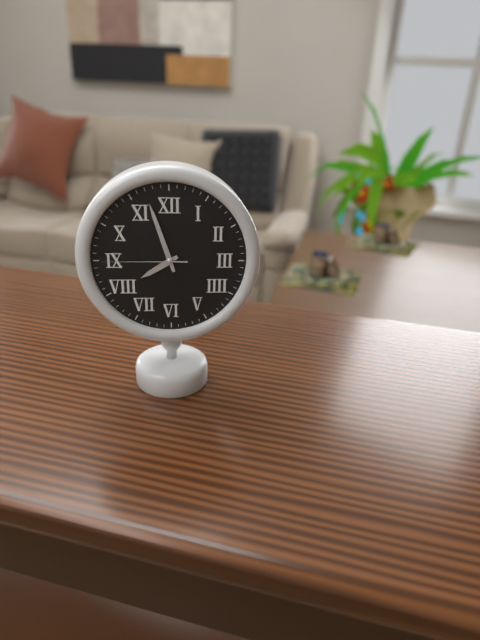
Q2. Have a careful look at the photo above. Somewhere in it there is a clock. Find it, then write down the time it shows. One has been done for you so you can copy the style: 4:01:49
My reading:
7:57:45
